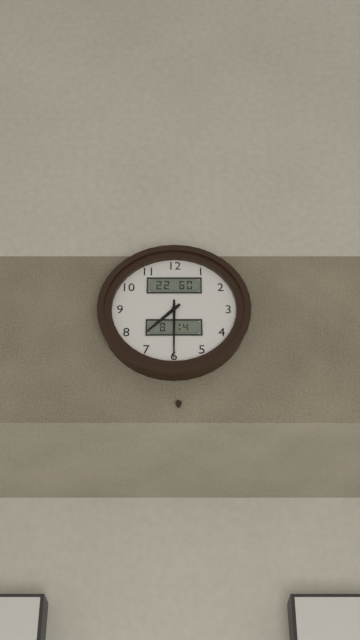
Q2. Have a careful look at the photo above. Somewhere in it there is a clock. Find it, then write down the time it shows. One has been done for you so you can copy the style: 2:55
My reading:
7:30
